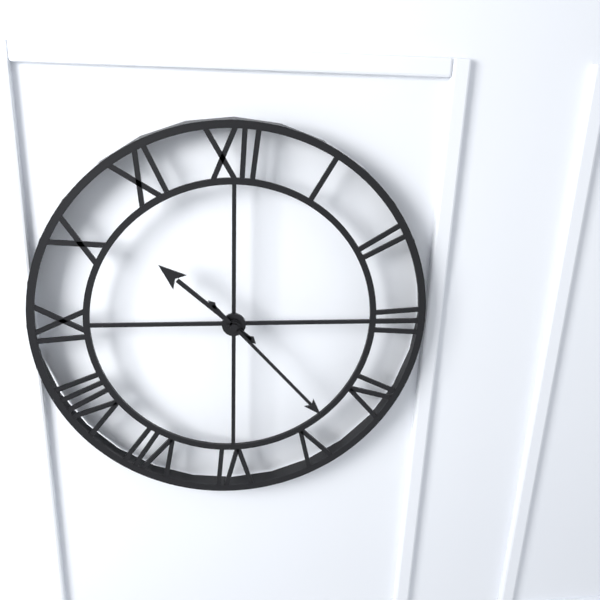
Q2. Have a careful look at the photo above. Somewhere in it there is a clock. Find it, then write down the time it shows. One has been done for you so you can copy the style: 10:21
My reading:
10:23
